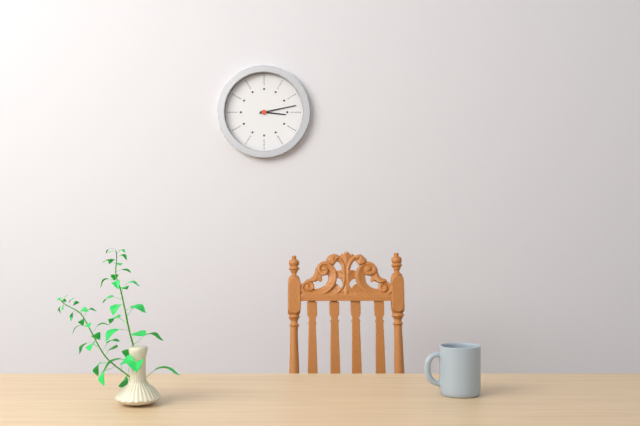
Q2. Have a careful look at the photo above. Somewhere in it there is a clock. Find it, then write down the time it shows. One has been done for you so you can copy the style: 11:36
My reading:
3:13
